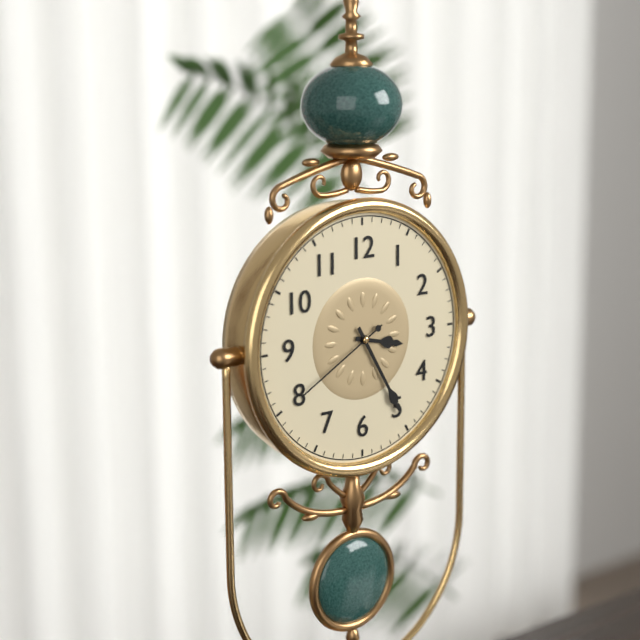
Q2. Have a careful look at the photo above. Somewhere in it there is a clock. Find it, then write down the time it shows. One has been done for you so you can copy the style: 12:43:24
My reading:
3:25:40
